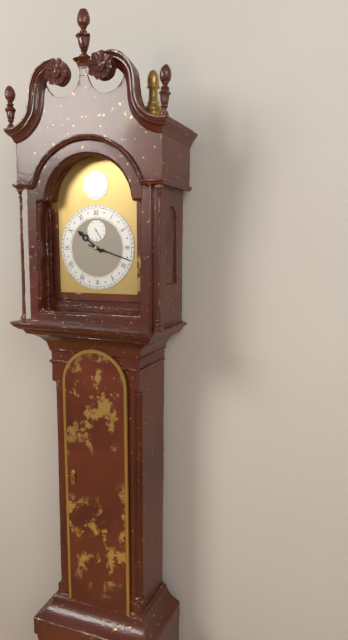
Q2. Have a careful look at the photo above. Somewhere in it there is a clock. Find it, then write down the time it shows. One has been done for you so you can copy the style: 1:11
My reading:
10:18
